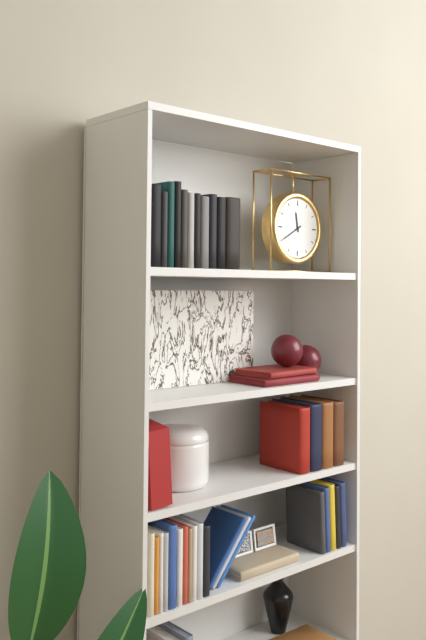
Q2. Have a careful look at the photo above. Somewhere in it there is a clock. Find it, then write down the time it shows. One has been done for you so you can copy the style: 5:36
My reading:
11:40
